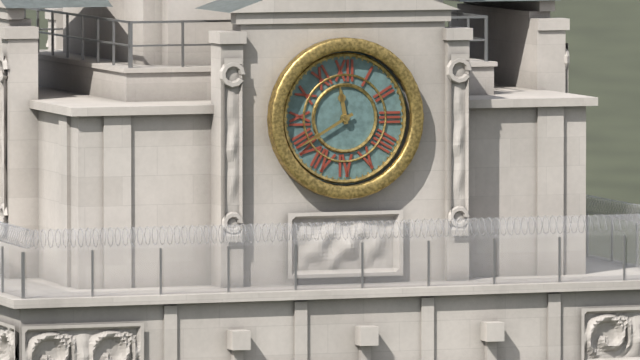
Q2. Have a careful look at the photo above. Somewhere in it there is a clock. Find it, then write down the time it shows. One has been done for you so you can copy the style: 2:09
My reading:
11:40
